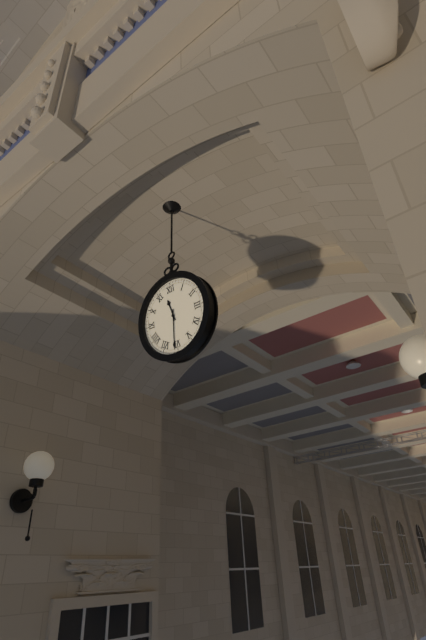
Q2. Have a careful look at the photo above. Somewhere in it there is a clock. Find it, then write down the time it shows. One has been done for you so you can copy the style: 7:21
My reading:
11:31
